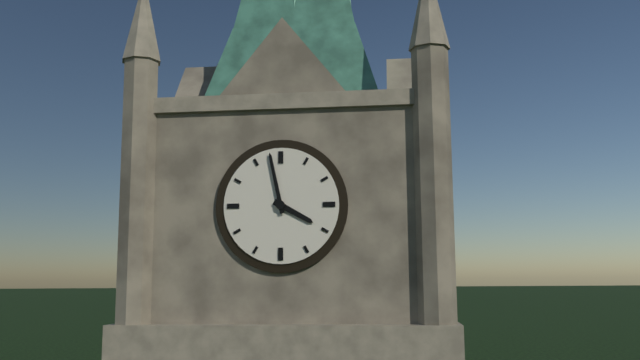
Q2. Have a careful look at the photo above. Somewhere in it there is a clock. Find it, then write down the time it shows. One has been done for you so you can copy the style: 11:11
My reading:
3:58
